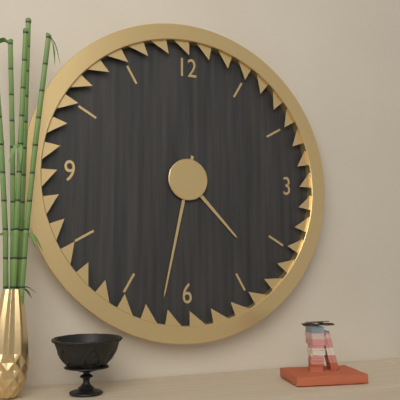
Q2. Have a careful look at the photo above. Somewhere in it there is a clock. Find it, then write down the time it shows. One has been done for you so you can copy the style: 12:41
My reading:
4:32
